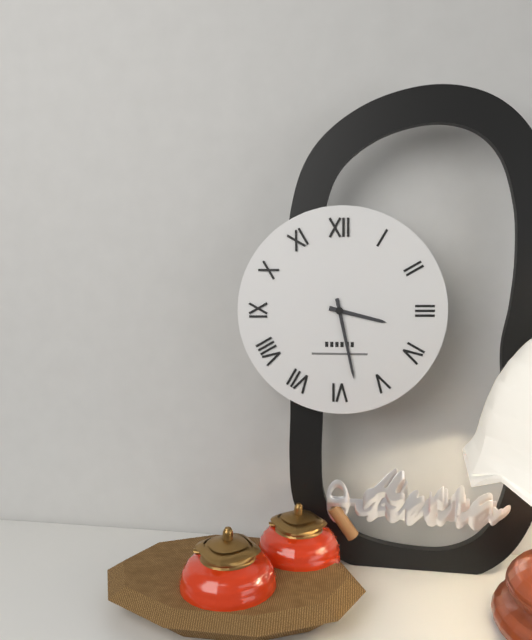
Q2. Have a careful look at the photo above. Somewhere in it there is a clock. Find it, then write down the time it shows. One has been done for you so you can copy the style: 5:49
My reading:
3:28
